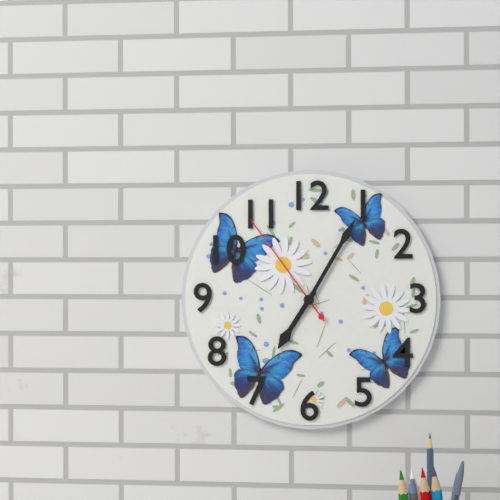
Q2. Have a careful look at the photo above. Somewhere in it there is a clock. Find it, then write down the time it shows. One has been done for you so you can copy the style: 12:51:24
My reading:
7:05:54
